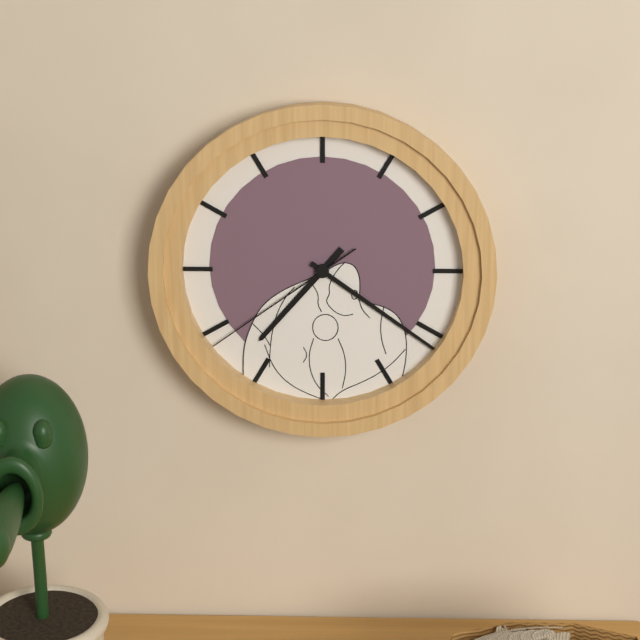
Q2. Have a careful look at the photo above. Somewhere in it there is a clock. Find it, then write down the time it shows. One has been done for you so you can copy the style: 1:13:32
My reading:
7:21:39
